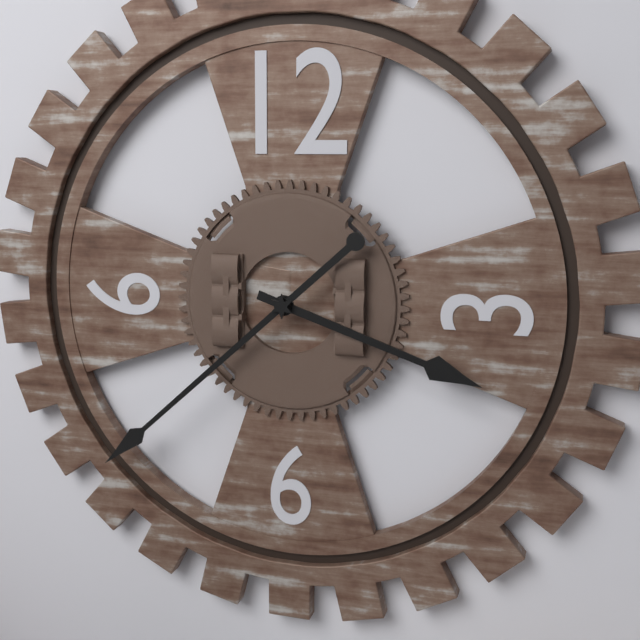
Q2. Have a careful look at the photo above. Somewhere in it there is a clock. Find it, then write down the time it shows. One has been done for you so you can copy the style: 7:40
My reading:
3:38
